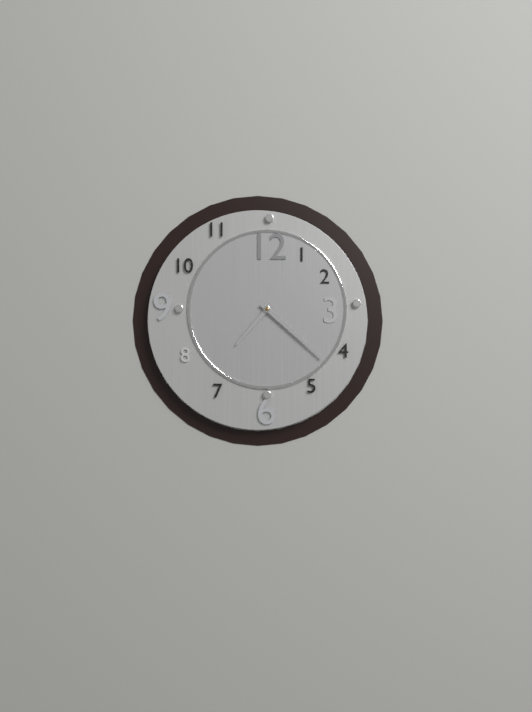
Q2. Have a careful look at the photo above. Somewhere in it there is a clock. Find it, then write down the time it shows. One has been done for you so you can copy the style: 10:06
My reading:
7:22
